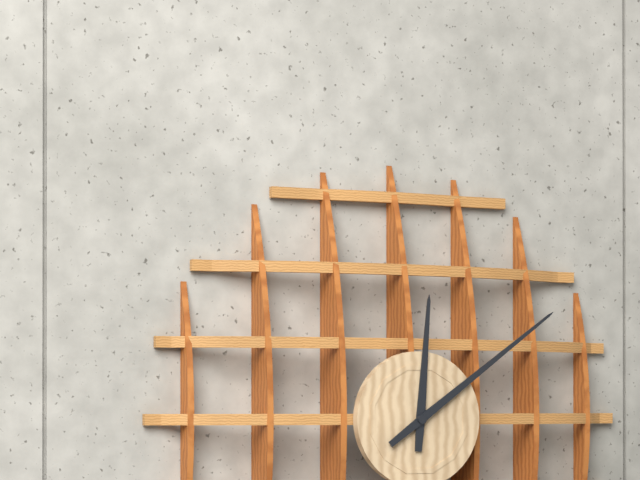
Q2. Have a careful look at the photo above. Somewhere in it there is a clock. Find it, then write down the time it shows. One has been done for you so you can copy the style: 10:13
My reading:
12:09
